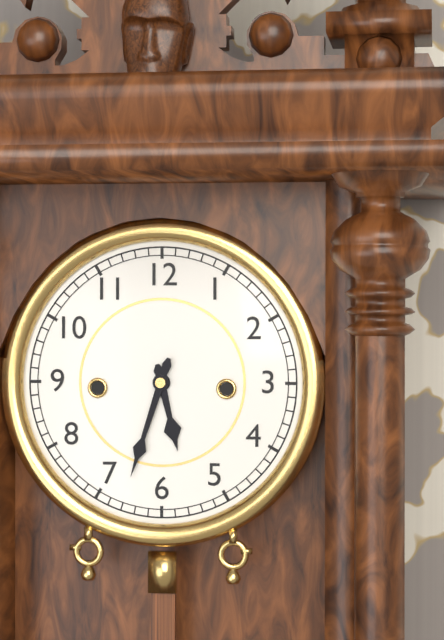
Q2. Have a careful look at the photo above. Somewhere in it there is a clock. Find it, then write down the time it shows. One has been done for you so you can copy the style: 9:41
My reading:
5:33
